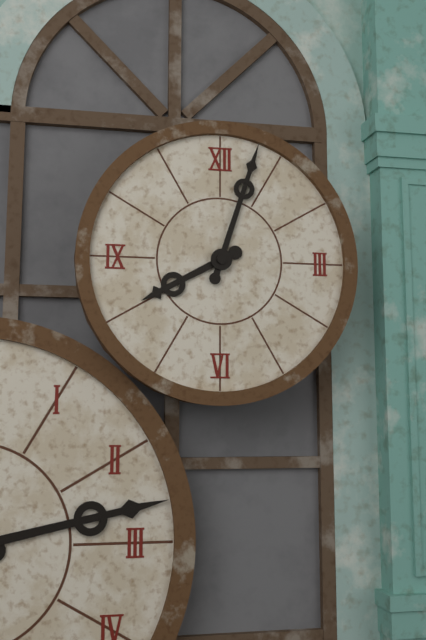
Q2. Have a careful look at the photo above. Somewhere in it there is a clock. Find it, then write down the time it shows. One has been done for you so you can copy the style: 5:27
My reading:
8:03
